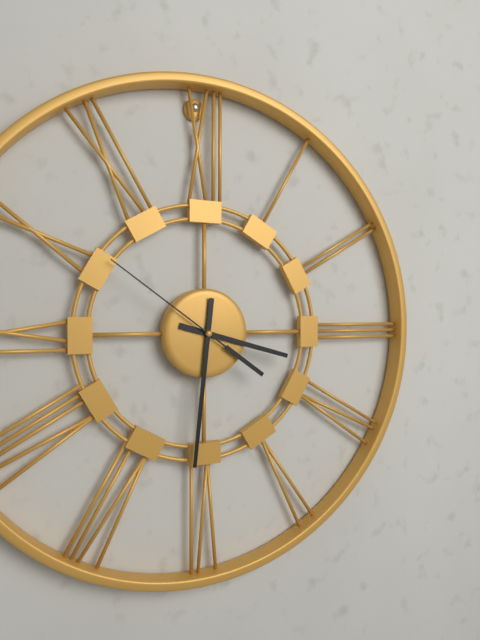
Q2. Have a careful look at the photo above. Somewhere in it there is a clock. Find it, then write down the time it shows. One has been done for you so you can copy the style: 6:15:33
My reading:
3:31:51
